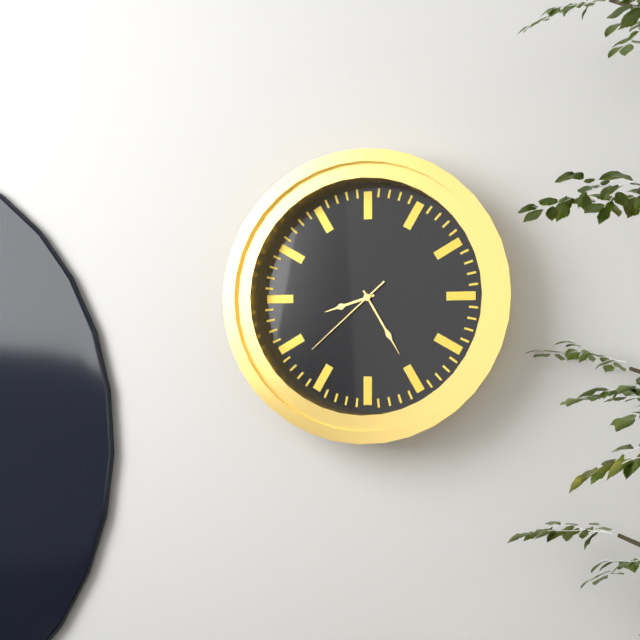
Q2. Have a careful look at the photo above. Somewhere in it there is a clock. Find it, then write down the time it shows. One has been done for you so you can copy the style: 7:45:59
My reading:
8:25:38
